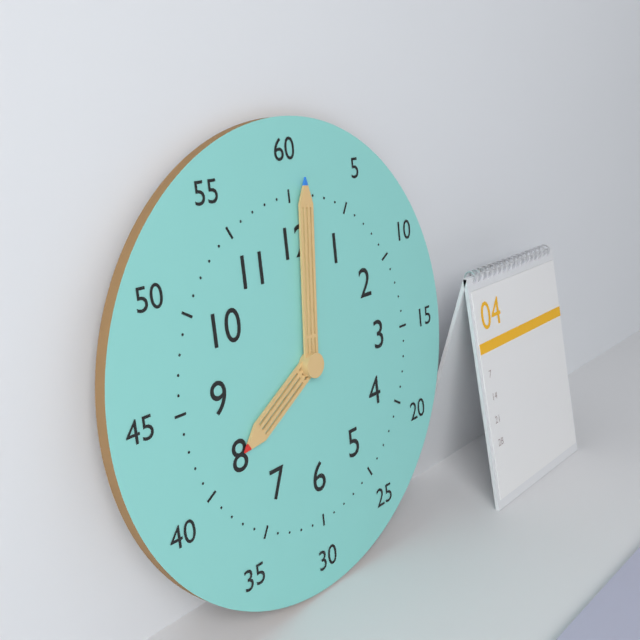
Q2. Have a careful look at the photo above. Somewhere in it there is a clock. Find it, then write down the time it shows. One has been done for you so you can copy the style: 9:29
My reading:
8:01
